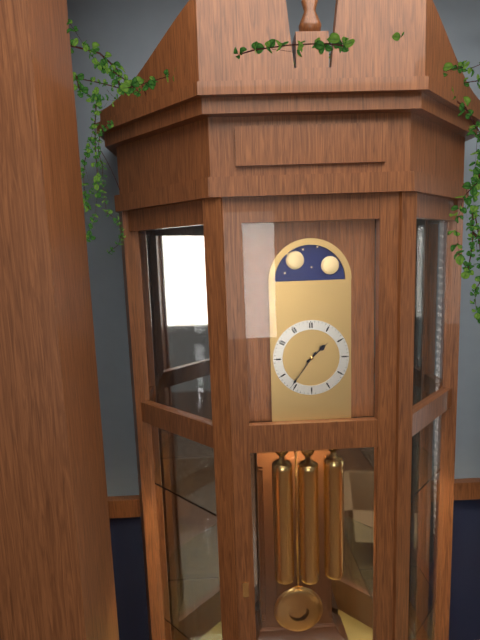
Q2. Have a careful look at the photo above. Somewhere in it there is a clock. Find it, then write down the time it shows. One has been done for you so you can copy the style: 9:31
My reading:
1:36
